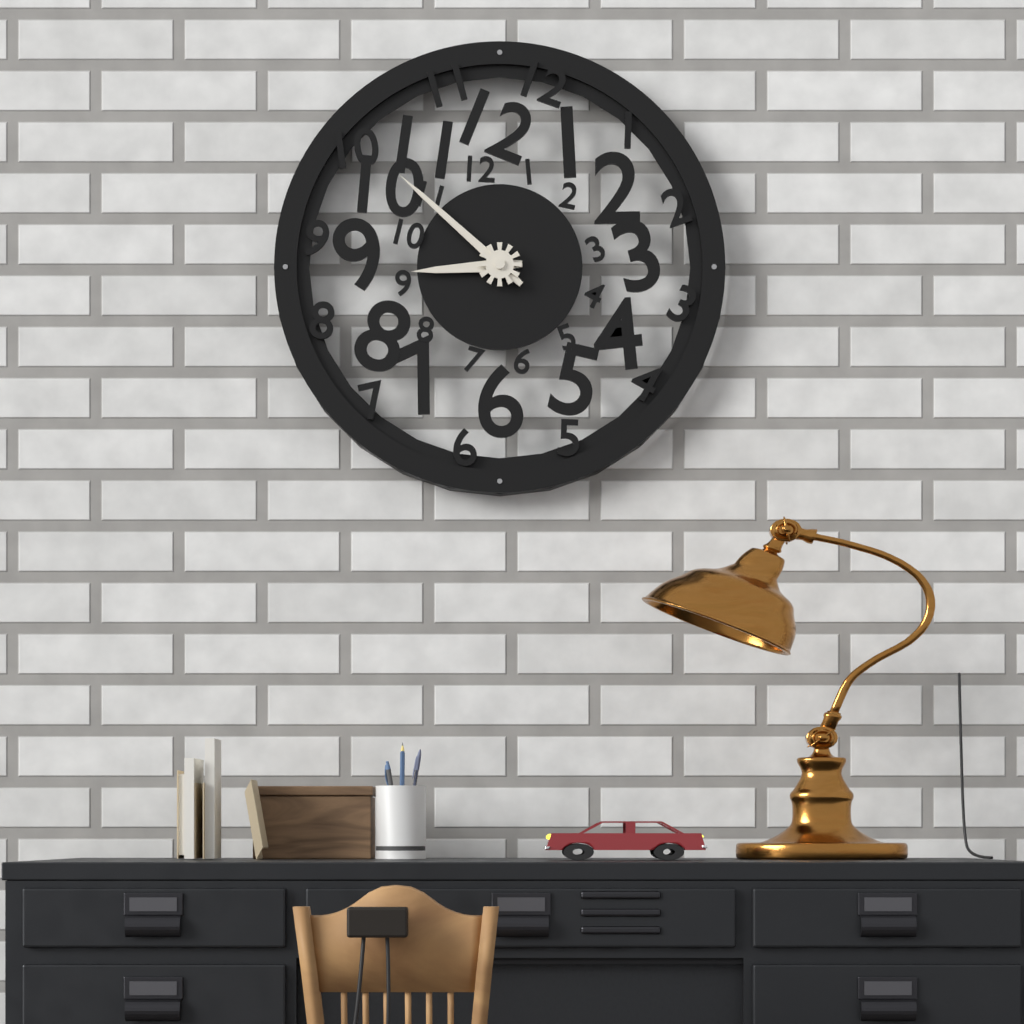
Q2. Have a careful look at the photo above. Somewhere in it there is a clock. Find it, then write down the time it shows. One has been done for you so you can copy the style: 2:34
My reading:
8:52
